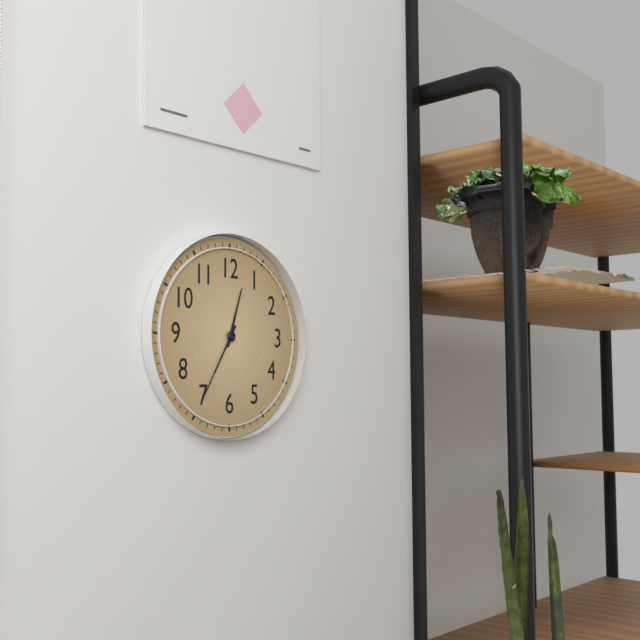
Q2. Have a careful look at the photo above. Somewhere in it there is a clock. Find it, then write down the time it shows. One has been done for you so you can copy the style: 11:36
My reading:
12:35
